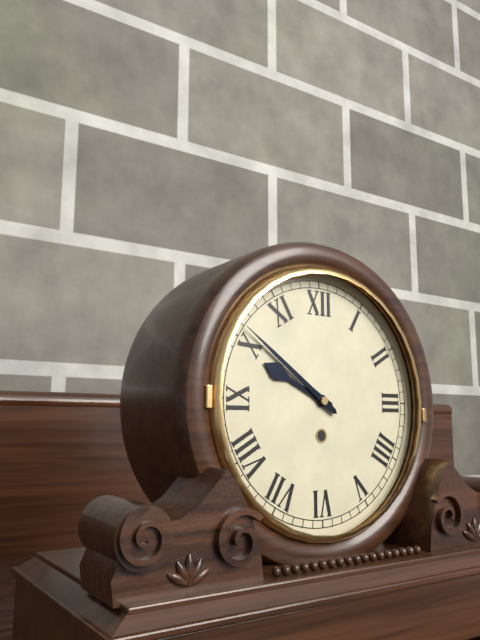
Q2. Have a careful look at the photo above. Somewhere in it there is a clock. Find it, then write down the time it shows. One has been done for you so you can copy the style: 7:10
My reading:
9:51
